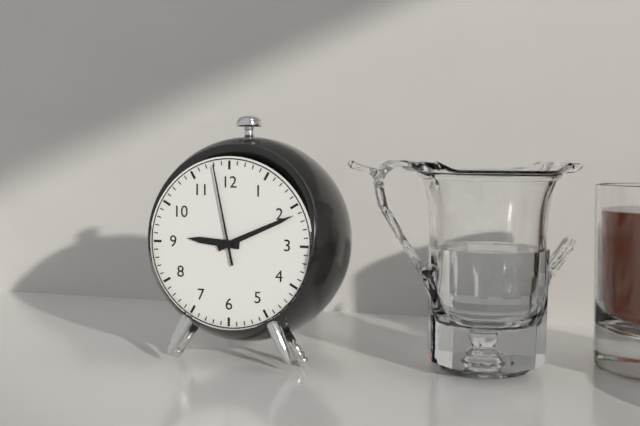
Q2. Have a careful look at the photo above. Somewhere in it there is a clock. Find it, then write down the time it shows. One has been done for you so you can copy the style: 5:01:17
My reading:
9:11:58
